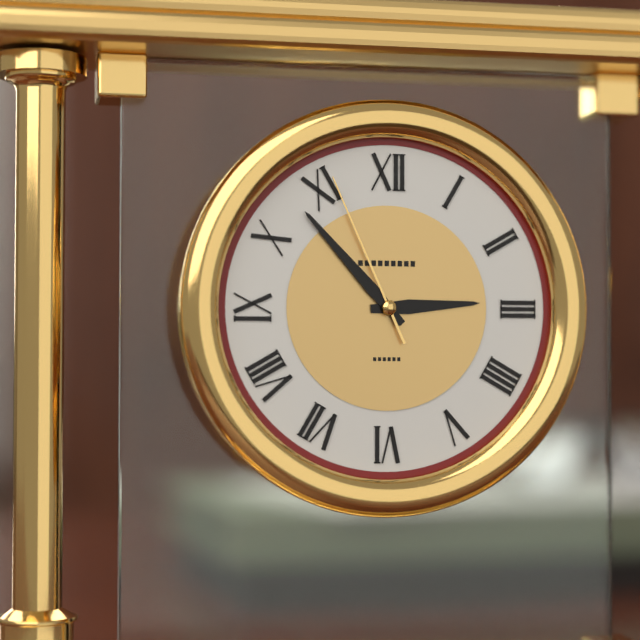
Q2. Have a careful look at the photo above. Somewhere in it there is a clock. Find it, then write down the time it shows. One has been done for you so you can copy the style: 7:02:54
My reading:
2:53:56
